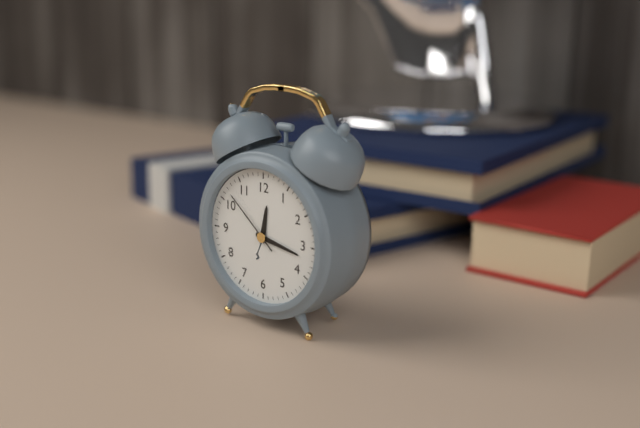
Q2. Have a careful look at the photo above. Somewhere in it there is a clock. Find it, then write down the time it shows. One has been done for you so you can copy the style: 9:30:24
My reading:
12:17:52
